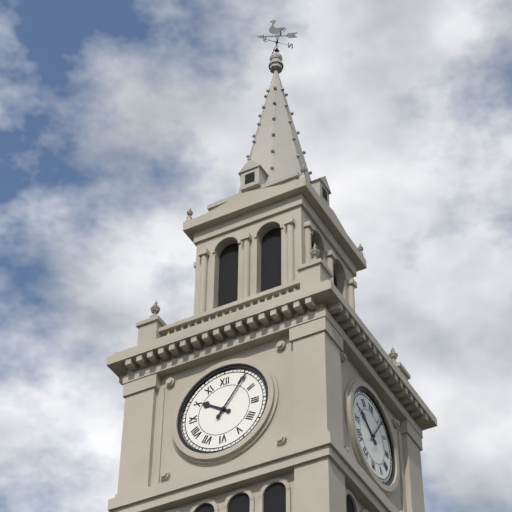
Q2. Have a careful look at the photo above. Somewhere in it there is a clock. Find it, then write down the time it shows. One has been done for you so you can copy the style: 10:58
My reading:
10:06
